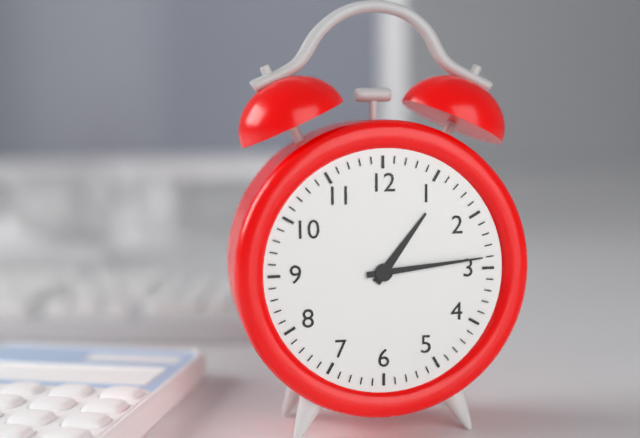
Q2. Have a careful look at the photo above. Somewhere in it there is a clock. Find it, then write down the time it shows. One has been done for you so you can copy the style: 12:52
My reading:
1:14
